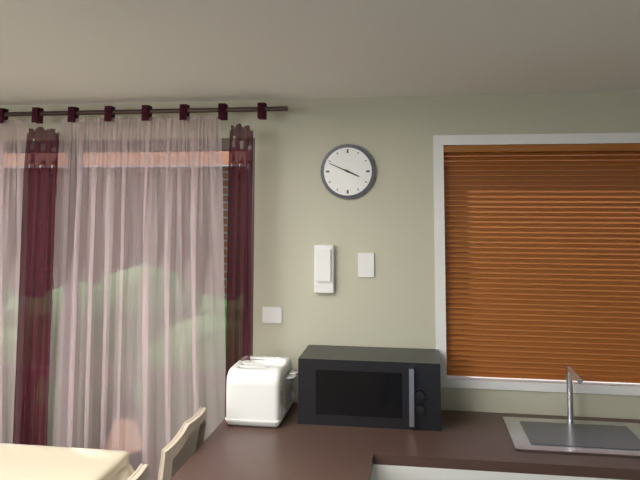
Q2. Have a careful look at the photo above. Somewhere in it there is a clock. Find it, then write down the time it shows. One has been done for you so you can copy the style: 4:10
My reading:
3:49
